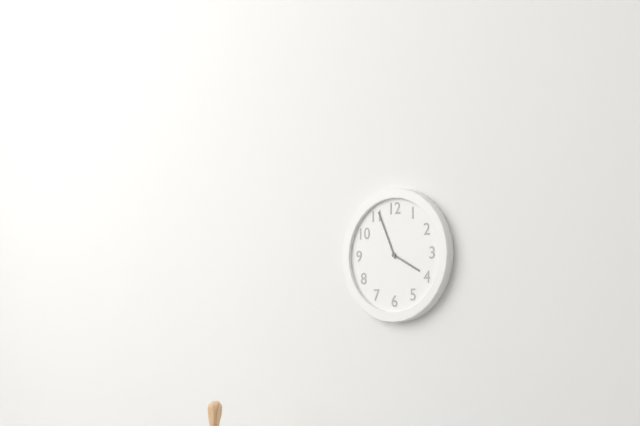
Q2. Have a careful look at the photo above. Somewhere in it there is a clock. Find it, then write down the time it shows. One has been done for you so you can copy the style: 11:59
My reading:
3:56
